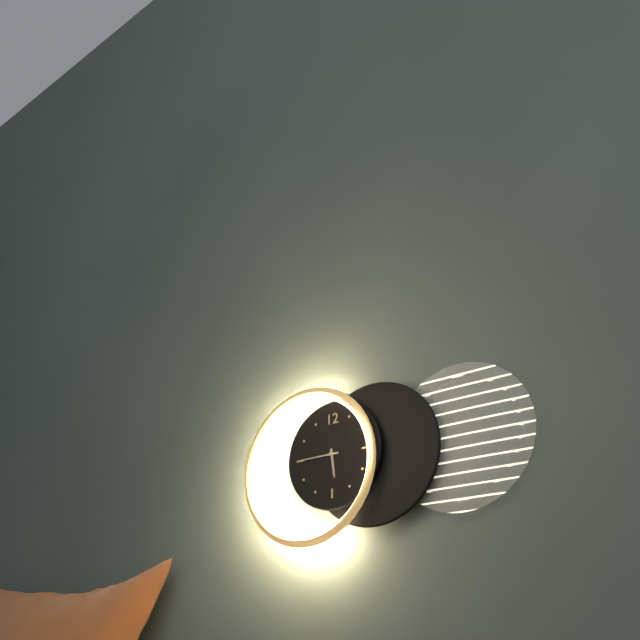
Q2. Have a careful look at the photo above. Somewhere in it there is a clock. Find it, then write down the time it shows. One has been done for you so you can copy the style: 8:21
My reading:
5:45
